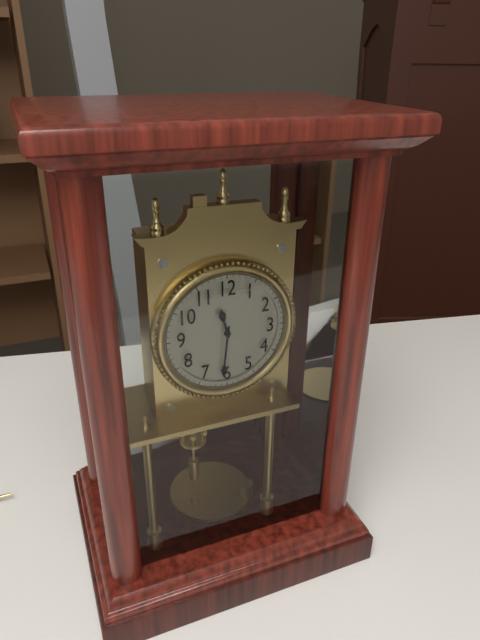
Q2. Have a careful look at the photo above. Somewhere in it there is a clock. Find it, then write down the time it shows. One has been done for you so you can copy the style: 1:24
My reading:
11:31
